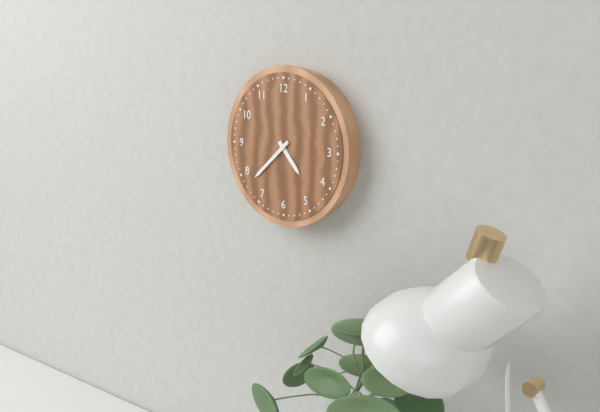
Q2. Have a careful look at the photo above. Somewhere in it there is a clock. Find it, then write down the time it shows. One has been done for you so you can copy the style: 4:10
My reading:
4:38
